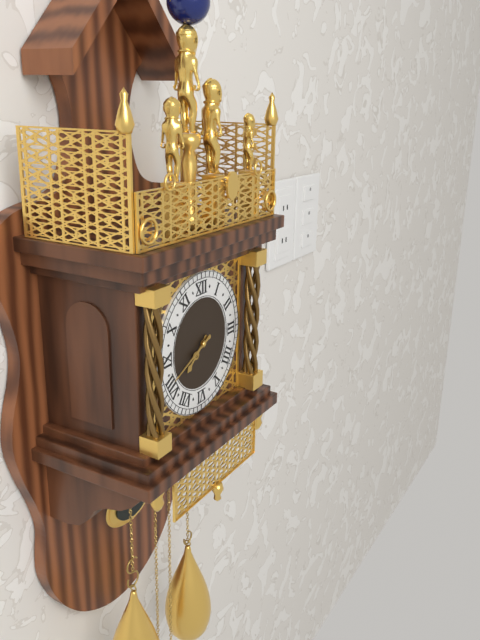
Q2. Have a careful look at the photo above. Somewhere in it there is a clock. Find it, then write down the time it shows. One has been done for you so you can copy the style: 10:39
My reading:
7:41
